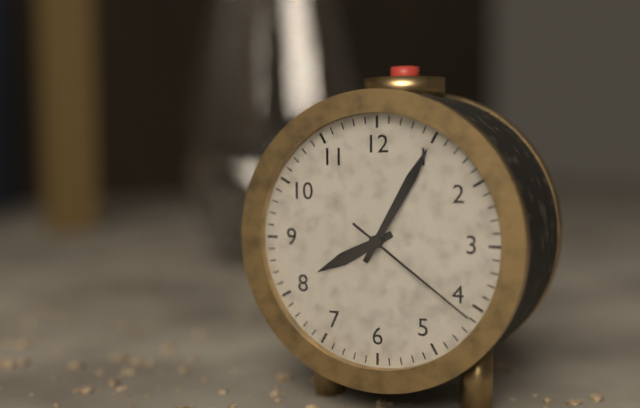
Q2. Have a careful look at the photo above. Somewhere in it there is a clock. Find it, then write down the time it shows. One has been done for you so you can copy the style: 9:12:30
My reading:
8:05:21
